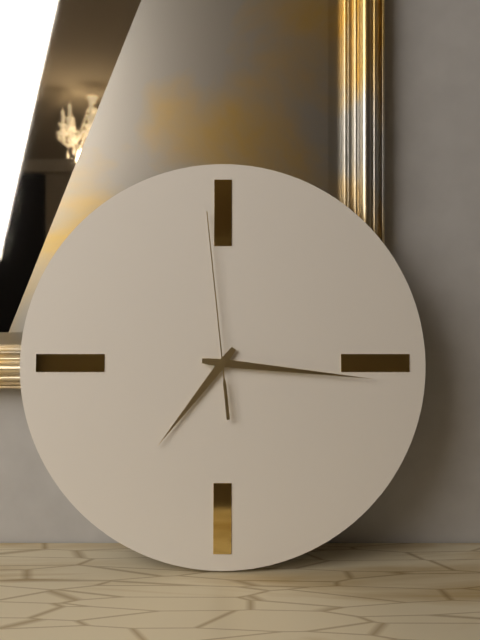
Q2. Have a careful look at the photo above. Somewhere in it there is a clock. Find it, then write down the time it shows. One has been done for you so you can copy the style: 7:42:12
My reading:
7:16:59
